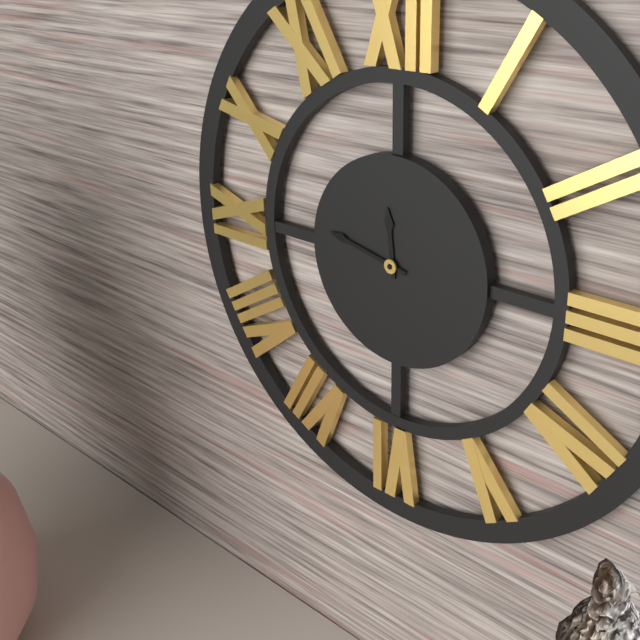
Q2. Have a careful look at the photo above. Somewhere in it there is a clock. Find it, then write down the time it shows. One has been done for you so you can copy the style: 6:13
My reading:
11:47
